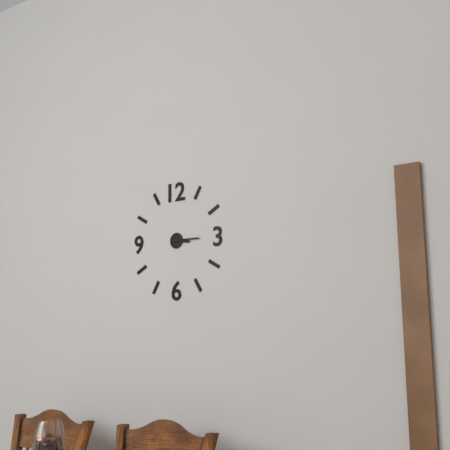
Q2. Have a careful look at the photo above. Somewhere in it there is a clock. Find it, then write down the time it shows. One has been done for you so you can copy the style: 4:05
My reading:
3:15
